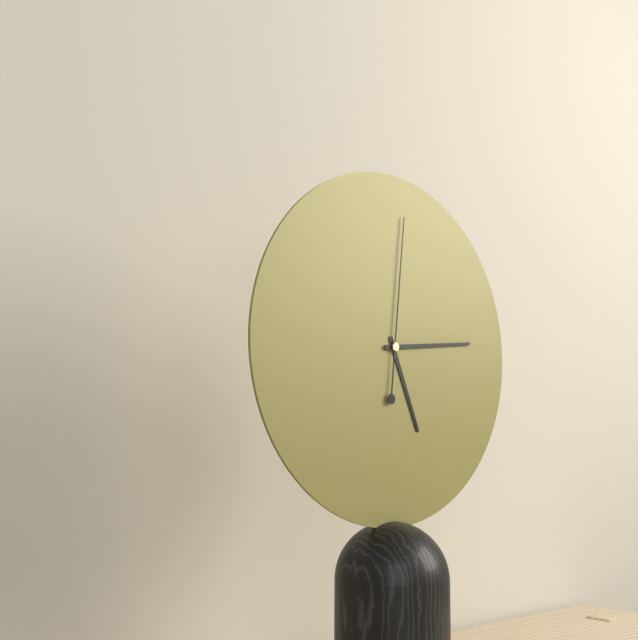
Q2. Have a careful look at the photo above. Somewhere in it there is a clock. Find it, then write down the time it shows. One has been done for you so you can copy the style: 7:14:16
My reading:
5:14:01
